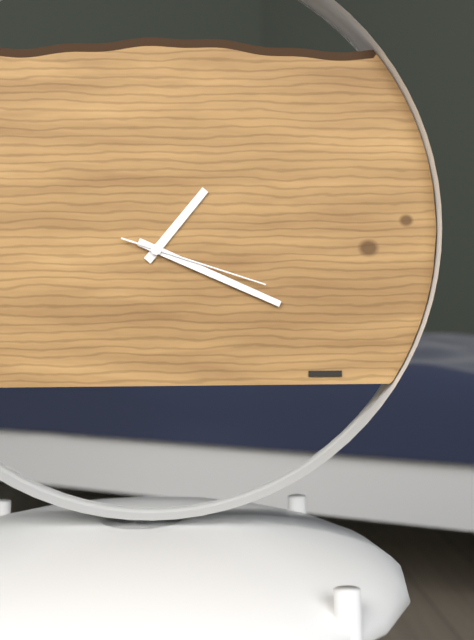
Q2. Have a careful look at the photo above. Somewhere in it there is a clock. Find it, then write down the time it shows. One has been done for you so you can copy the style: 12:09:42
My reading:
1:19:18
